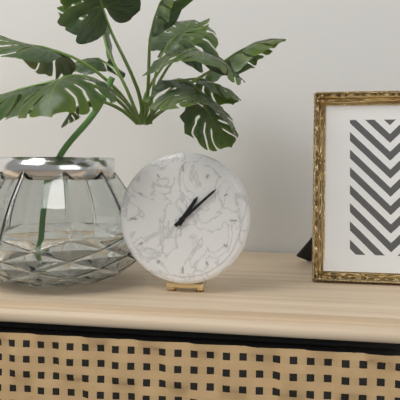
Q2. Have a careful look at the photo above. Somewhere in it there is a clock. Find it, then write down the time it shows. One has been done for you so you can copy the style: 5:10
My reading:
1:08
